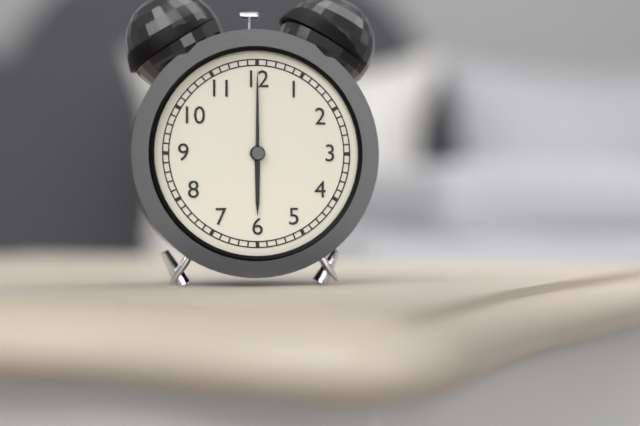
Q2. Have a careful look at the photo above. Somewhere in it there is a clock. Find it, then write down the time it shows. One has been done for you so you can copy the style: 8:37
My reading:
6:00
